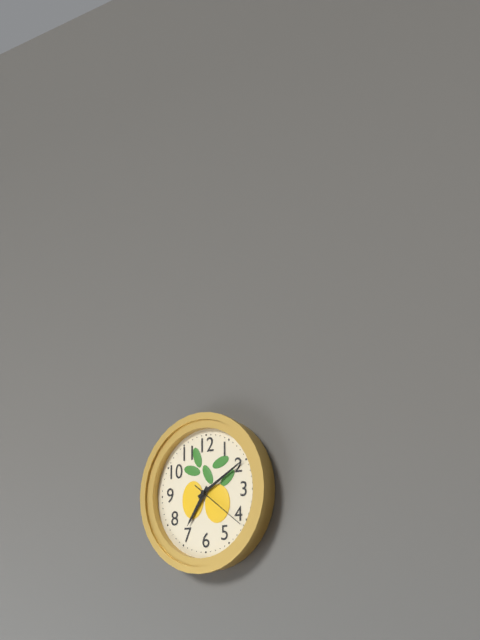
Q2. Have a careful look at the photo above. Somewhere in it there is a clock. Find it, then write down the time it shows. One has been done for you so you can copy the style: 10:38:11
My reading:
7:10:21
